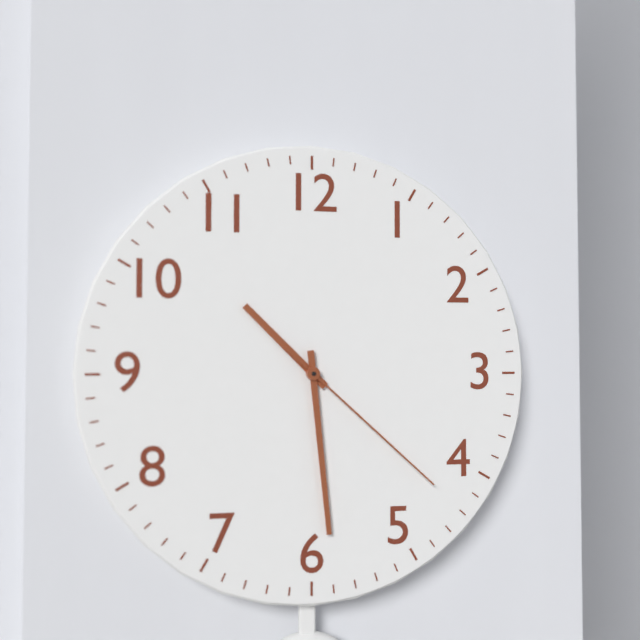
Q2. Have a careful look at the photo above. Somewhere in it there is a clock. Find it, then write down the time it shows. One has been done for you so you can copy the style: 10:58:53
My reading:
10:29:22
